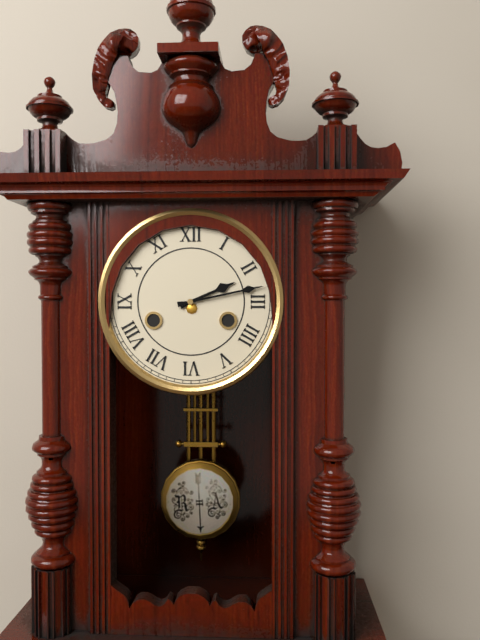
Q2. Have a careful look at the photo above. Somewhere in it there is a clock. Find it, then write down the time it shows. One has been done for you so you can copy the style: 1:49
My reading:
2:13
